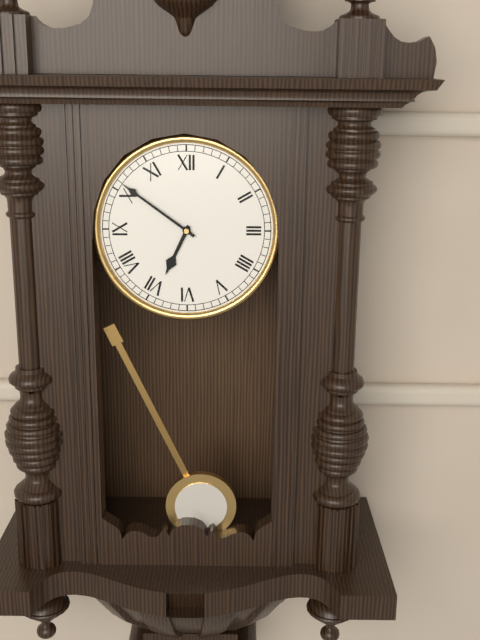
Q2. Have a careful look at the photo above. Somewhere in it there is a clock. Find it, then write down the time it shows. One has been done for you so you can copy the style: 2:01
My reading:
6:51
